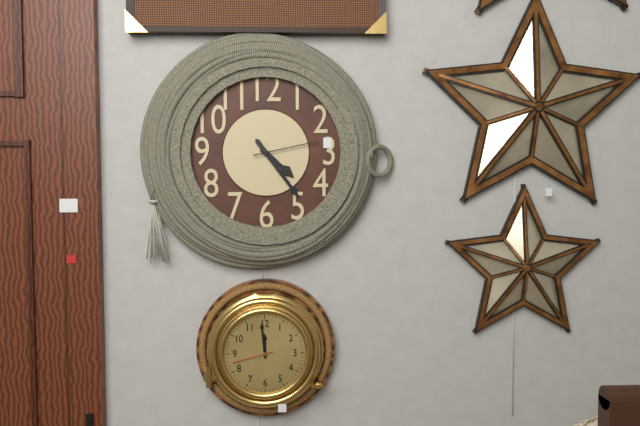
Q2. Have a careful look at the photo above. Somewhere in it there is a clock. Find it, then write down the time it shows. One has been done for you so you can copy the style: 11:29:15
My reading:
4:24:13
